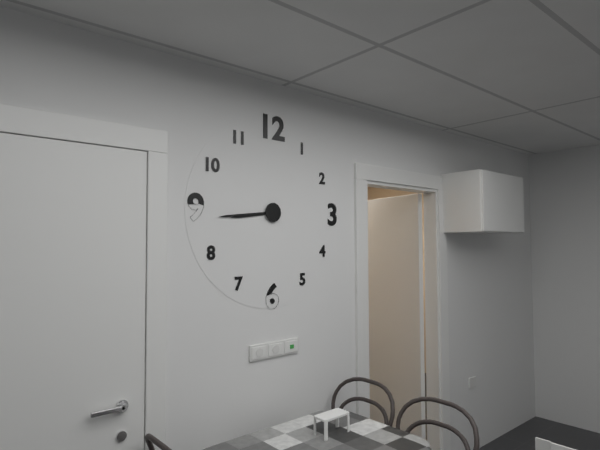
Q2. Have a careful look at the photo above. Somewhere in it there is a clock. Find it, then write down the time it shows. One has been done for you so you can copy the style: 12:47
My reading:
8:44
